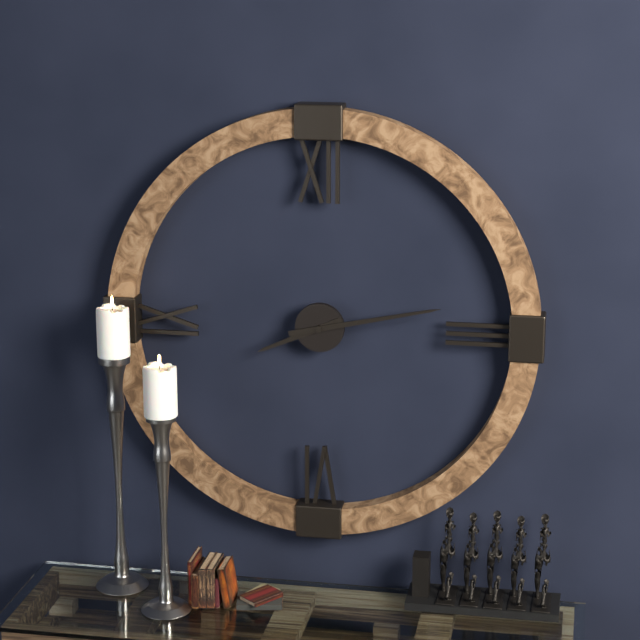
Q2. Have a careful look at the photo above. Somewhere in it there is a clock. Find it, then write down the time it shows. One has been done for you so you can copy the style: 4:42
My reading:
8:13
